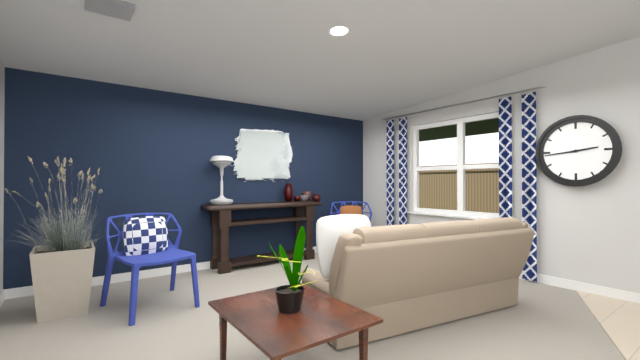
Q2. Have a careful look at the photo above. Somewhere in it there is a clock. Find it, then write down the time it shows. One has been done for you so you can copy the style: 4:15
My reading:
2:44
